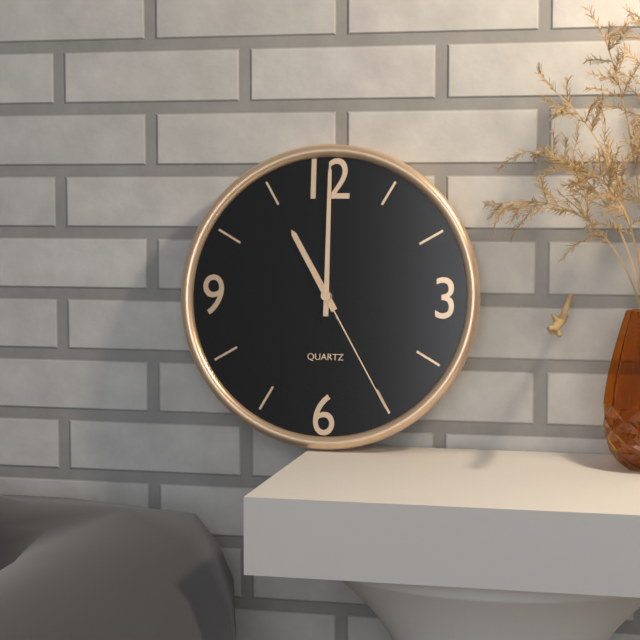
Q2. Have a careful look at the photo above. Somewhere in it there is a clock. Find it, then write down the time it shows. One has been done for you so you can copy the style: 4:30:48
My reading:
11:00:25
